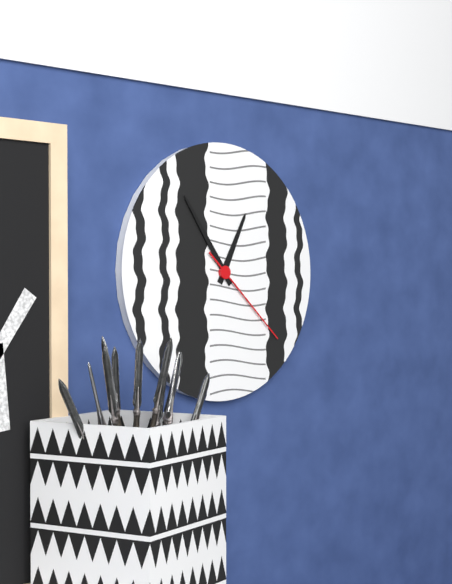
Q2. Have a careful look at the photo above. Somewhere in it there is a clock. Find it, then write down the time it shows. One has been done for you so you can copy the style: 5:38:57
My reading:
12:54:22
